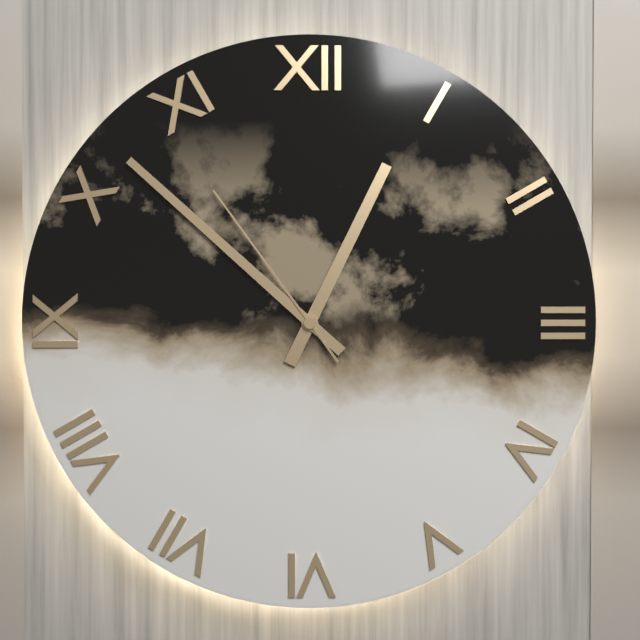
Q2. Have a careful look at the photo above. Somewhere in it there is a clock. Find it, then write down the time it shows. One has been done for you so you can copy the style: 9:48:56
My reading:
12:52:54
